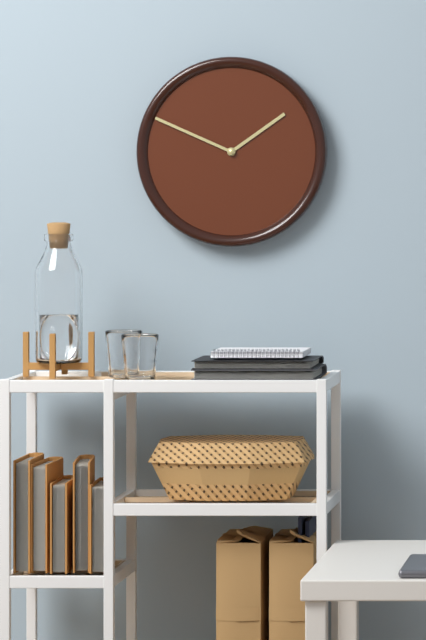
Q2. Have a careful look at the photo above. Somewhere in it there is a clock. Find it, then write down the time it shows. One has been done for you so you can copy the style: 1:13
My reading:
1:49
